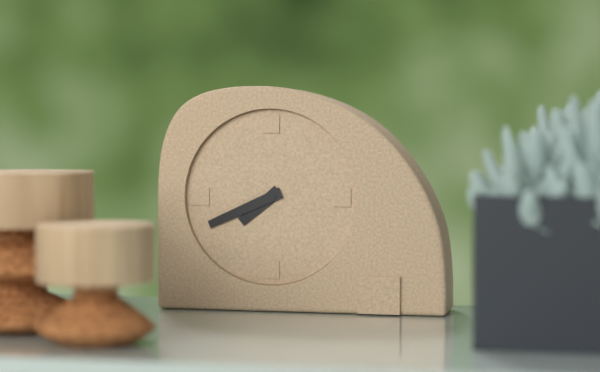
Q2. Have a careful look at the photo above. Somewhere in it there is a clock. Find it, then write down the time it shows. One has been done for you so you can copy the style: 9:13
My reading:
7:41
